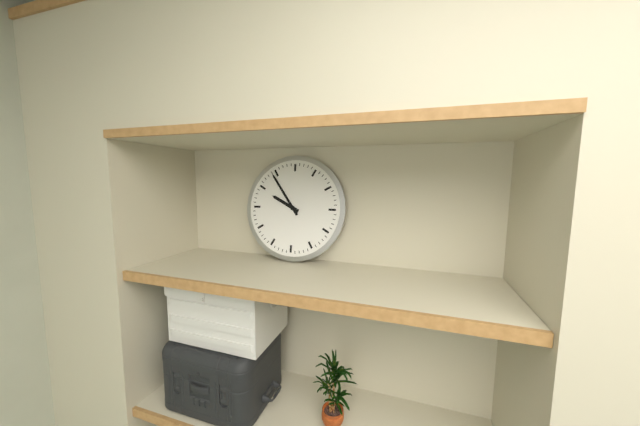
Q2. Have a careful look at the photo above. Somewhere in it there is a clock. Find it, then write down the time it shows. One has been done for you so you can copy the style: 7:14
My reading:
9:54
